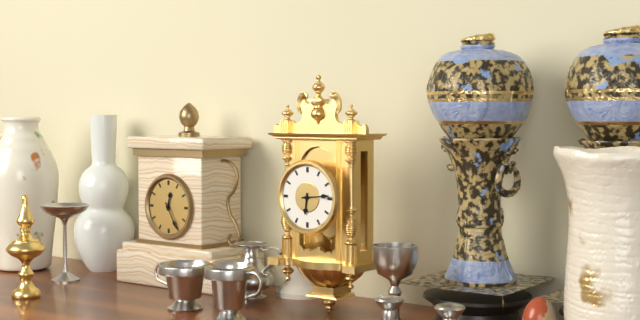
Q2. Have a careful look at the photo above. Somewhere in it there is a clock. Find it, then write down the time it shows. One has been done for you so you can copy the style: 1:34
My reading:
6:14
